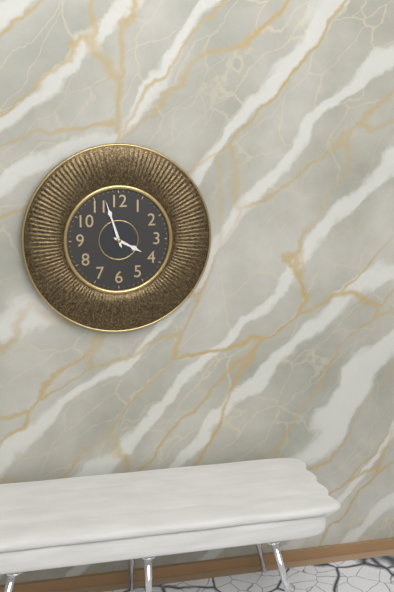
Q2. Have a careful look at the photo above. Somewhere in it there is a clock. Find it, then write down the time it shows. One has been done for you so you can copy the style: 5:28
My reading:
3:57
